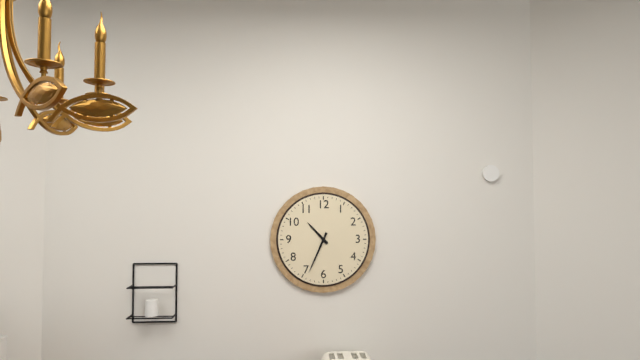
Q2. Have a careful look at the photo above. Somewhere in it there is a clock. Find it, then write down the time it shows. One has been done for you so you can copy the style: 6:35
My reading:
10:34
